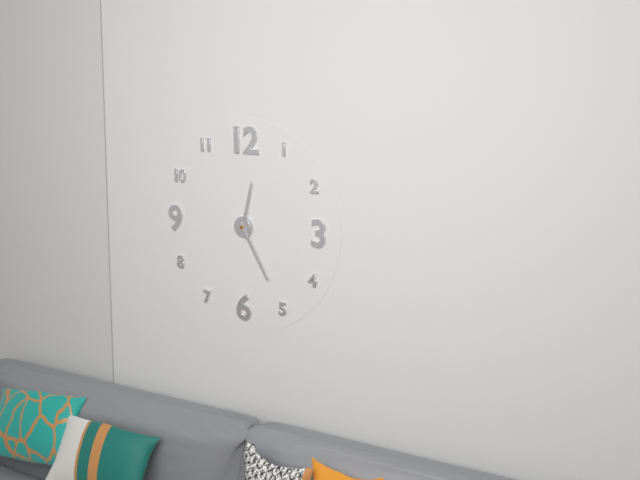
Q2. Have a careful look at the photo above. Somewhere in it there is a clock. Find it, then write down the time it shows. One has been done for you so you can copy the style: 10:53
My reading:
12:25
